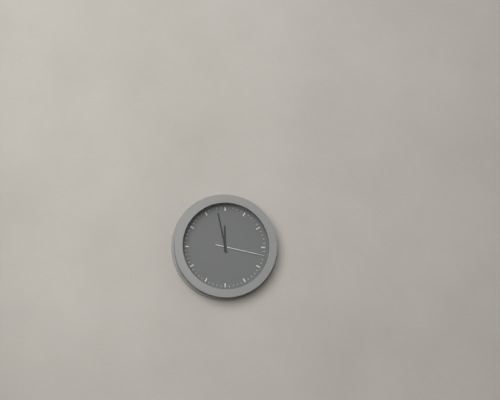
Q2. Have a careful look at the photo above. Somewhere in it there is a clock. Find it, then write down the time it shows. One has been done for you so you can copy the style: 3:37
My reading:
11:58
